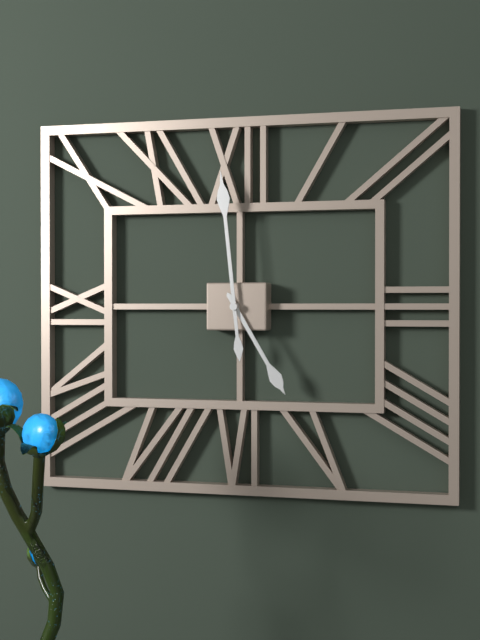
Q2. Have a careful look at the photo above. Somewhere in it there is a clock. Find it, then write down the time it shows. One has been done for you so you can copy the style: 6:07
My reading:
4:59
